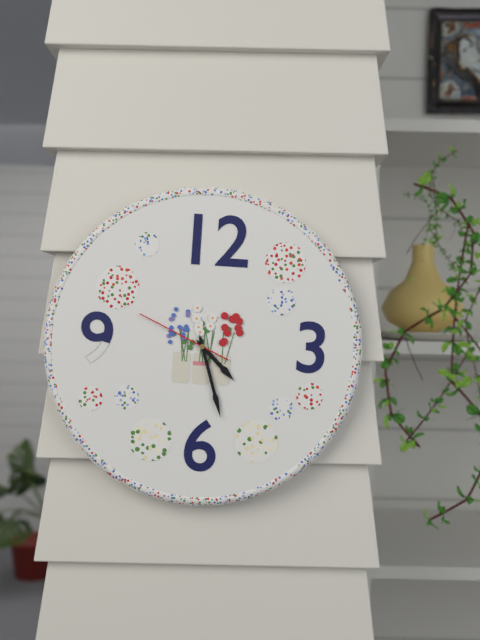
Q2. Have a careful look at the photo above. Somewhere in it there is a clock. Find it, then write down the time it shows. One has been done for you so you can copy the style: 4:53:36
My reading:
4:27:49
